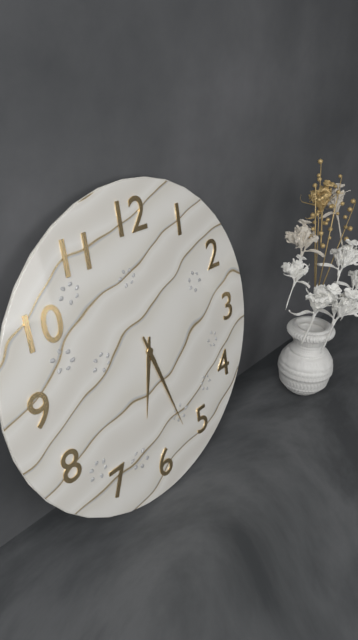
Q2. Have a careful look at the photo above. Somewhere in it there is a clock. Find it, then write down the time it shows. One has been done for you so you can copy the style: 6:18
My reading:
6:27
